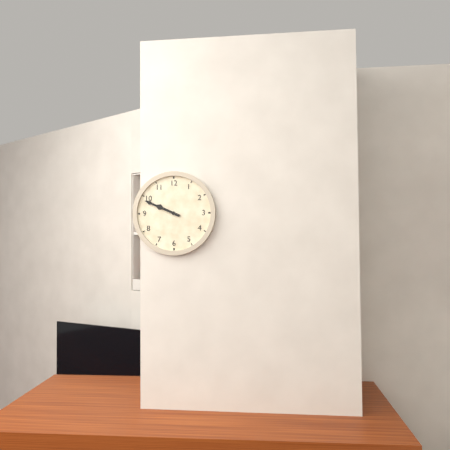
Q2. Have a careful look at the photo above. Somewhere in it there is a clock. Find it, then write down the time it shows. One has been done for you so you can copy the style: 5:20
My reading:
9:49
